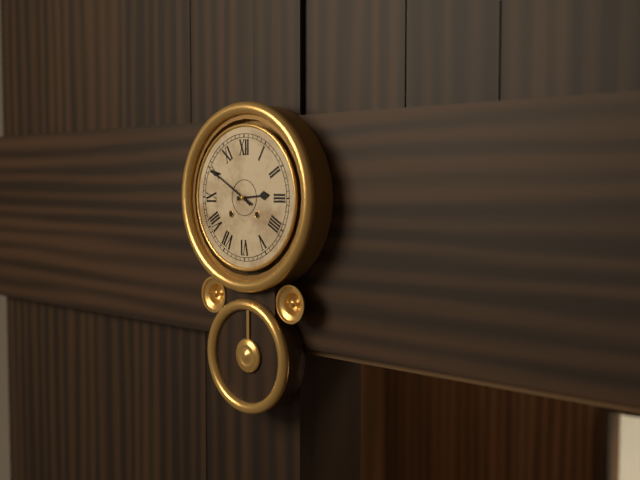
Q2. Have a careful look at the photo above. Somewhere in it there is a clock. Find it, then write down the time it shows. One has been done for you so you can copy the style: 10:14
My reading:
2:50
